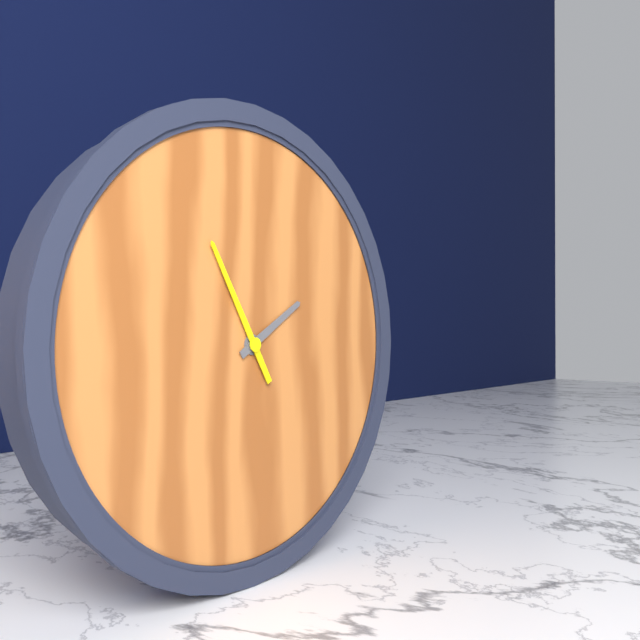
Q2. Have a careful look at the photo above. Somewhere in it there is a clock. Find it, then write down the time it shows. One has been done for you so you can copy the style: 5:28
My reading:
1:55
